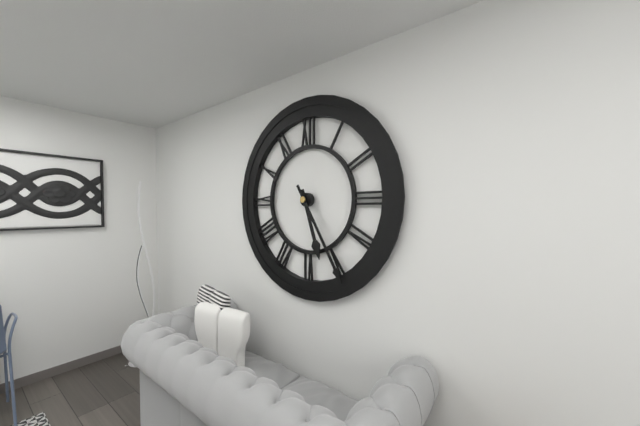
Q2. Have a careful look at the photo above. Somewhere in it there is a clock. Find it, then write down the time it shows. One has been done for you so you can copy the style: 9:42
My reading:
5:25
